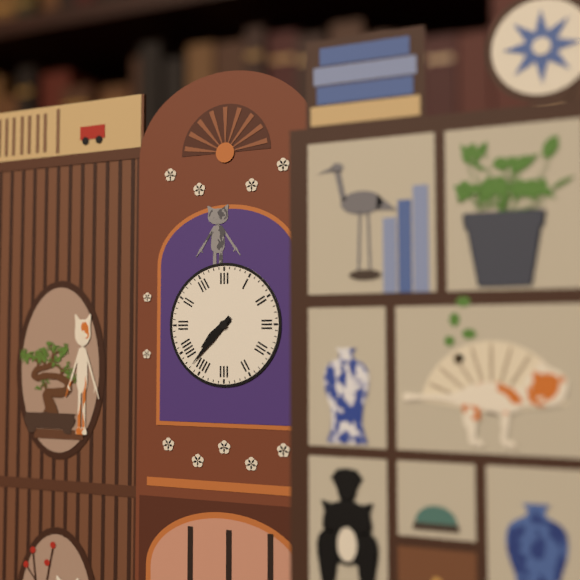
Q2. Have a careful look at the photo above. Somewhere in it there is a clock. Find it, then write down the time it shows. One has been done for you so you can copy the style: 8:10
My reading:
7:37
